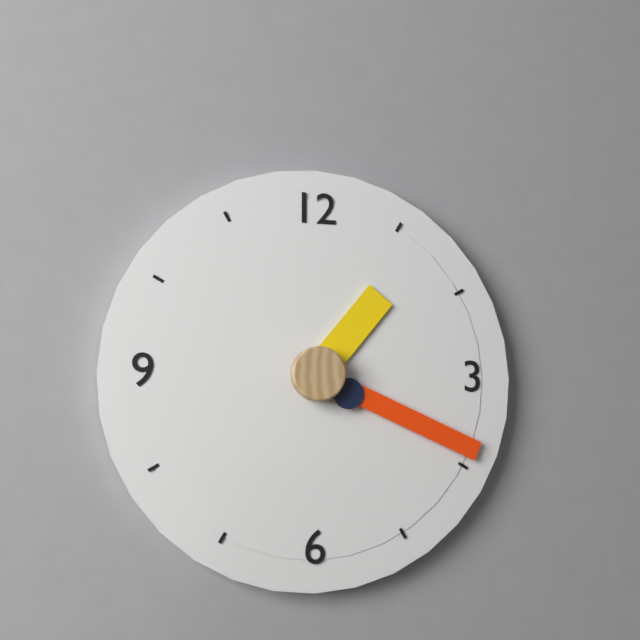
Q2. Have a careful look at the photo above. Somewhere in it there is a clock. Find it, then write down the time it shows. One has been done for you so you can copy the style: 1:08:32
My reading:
1:19:20
